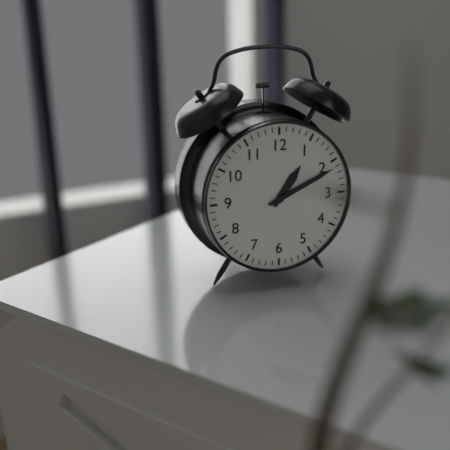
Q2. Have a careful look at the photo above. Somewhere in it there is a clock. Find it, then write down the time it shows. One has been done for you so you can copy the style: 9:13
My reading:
1:11
